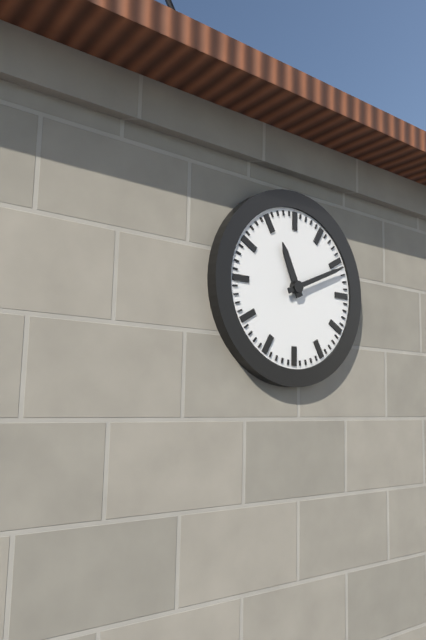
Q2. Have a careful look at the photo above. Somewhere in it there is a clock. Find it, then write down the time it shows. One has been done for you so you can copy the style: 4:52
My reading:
11:11
